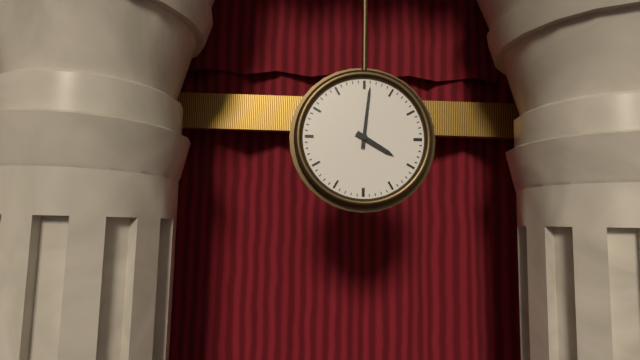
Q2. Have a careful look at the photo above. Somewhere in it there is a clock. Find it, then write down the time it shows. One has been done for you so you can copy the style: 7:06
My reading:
4:01
